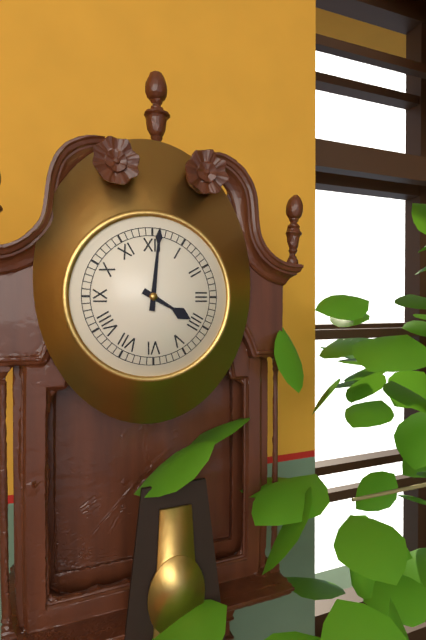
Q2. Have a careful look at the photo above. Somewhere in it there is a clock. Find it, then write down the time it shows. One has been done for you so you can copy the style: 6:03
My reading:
4:01
